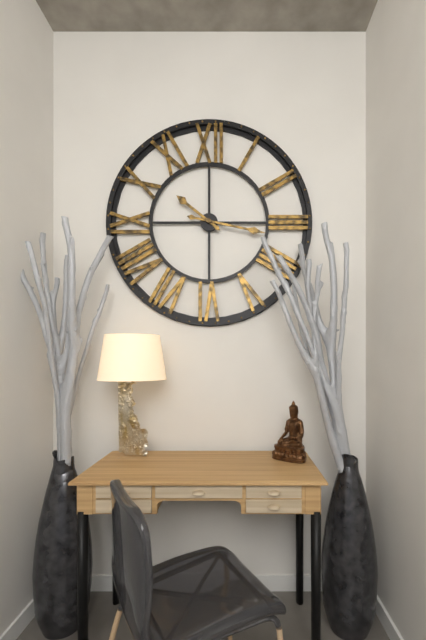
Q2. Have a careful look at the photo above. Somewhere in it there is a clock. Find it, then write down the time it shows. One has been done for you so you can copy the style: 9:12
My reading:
10:17
